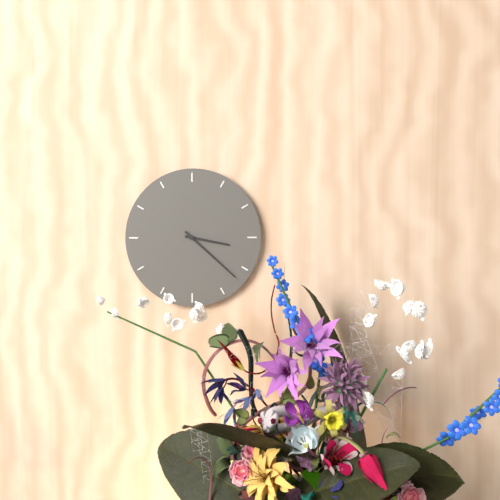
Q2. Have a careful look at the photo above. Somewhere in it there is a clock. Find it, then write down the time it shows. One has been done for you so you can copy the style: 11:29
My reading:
3:22
